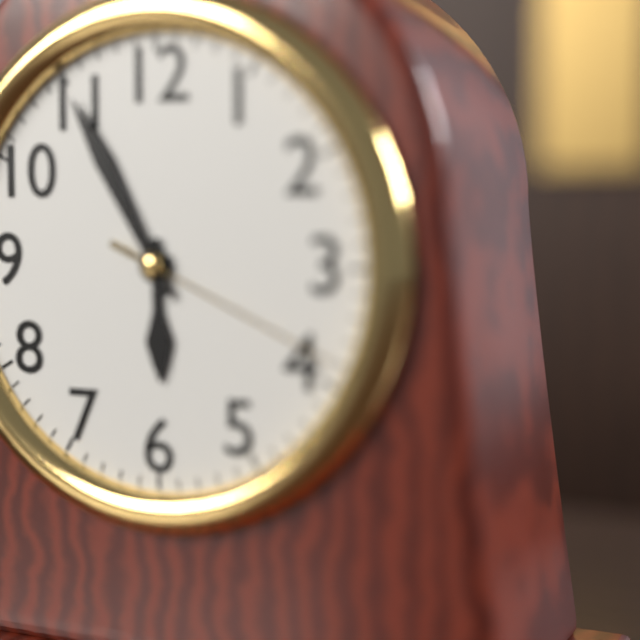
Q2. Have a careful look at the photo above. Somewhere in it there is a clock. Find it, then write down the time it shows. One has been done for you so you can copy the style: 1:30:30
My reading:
5:55:19
